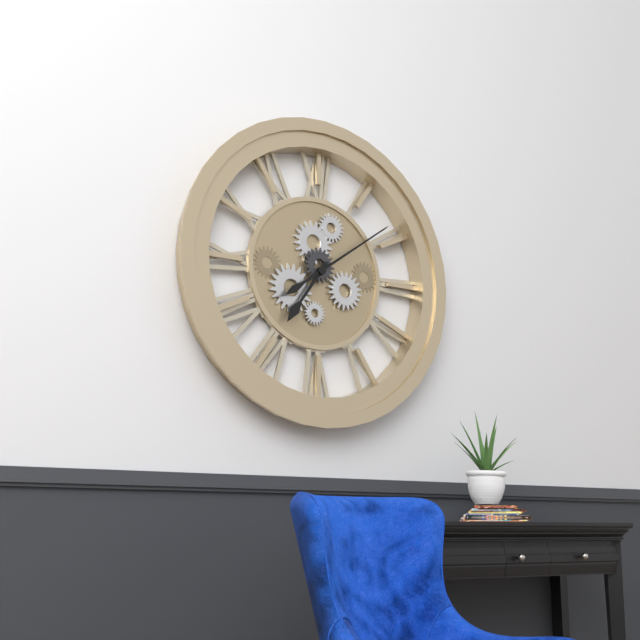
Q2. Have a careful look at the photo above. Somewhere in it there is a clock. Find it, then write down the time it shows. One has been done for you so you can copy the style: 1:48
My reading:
7:09
